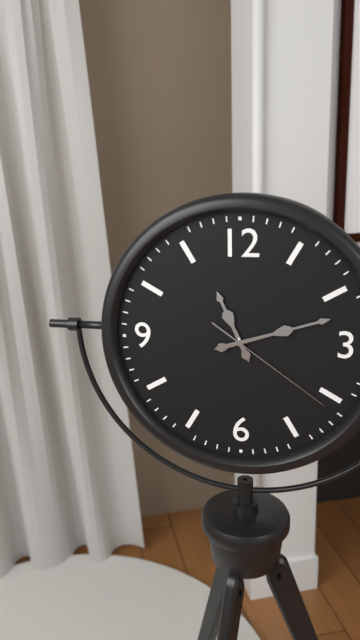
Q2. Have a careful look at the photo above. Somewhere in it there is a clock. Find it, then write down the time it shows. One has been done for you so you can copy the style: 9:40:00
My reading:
11:12:21
